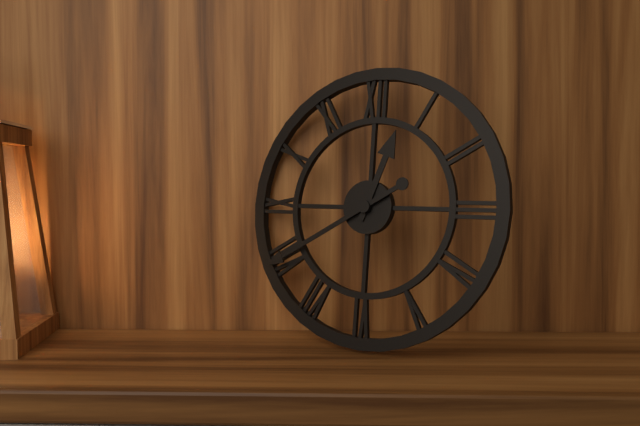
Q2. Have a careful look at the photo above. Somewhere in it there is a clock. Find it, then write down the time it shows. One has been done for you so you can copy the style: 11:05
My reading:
12:40
